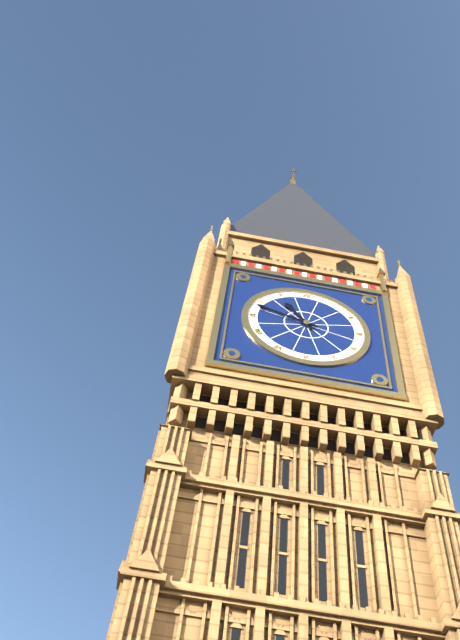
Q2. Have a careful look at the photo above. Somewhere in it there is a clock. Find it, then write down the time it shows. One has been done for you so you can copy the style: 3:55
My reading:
10:48
